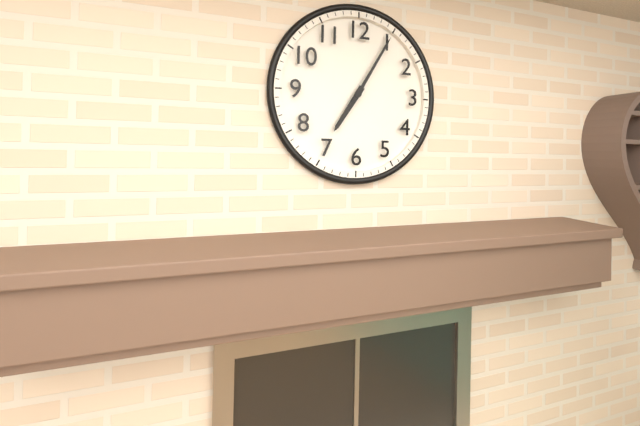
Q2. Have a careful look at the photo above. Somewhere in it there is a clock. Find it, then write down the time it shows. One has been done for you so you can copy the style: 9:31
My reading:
7:05
